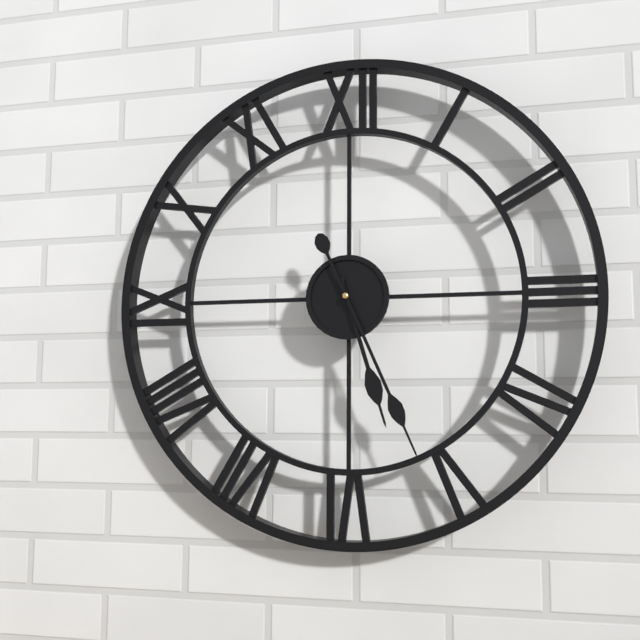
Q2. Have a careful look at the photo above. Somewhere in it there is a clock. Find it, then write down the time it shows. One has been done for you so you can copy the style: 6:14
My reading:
5:26
